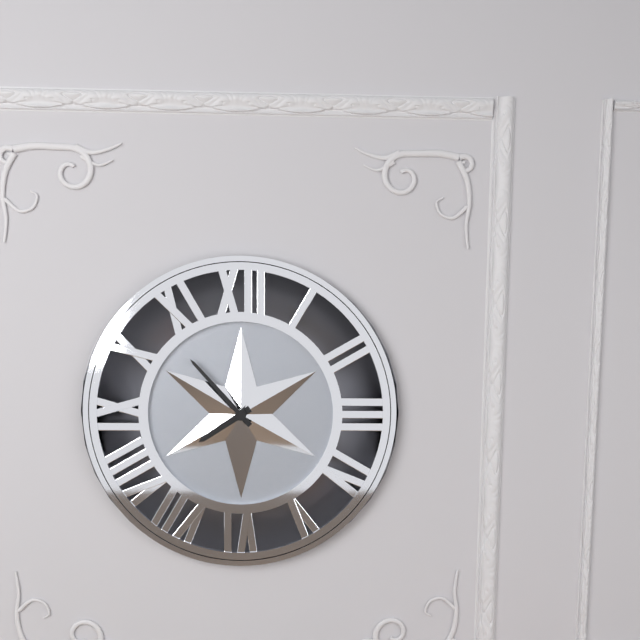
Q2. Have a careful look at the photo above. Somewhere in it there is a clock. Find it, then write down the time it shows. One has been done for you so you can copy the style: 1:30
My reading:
7:53
